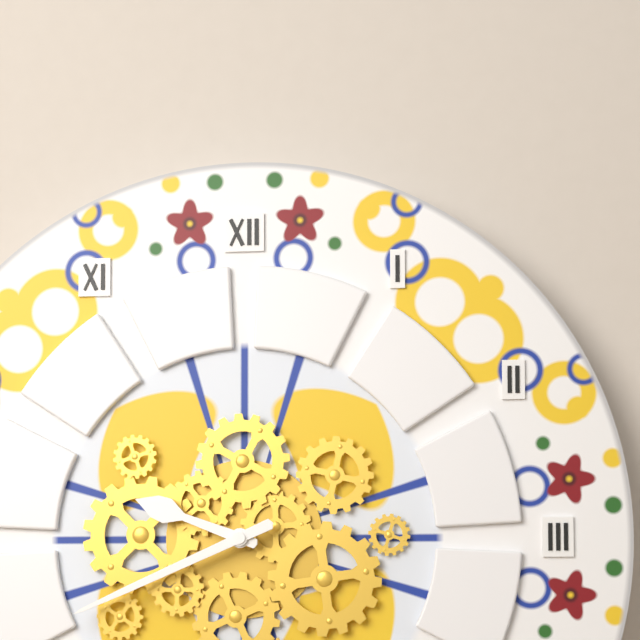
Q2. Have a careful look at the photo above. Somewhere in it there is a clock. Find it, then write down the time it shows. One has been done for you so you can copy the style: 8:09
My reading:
9:41
